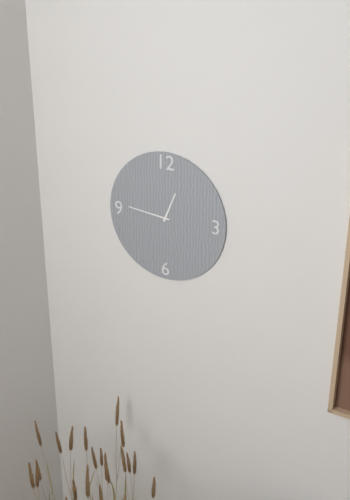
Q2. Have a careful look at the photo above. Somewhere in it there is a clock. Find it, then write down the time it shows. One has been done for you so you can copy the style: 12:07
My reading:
12:46
